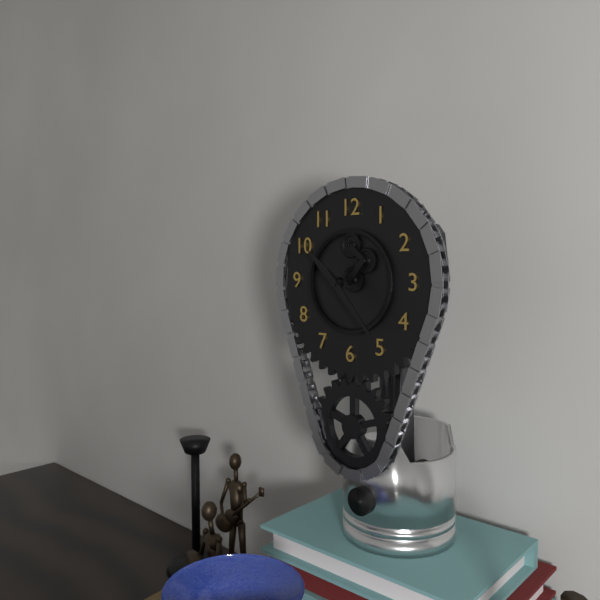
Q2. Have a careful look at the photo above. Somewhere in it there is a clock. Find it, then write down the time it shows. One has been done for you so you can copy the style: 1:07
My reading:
10:23
